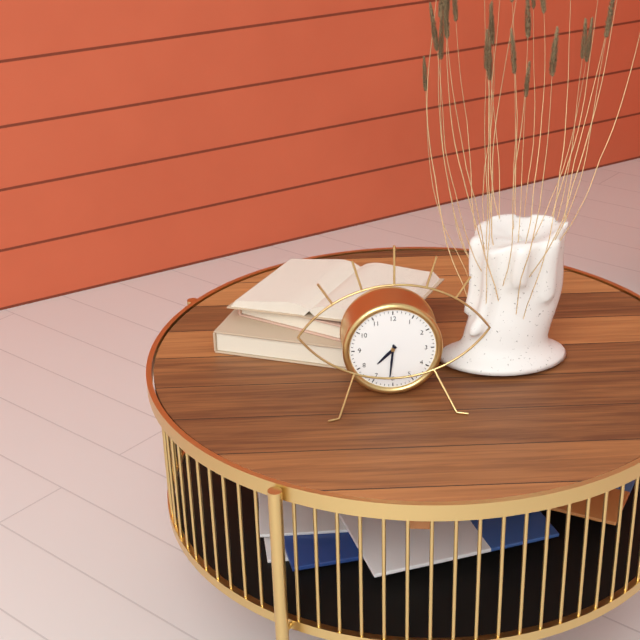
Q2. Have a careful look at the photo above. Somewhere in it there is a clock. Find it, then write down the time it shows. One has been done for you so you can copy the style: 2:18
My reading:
7:31
